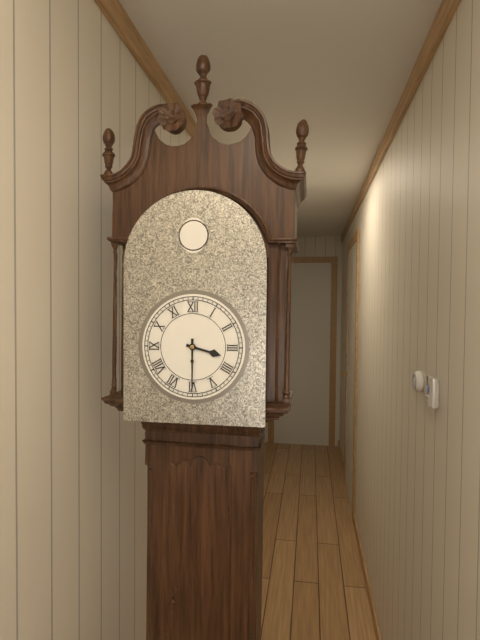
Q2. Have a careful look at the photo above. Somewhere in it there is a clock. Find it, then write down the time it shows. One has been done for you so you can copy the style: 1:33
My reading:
3:30
